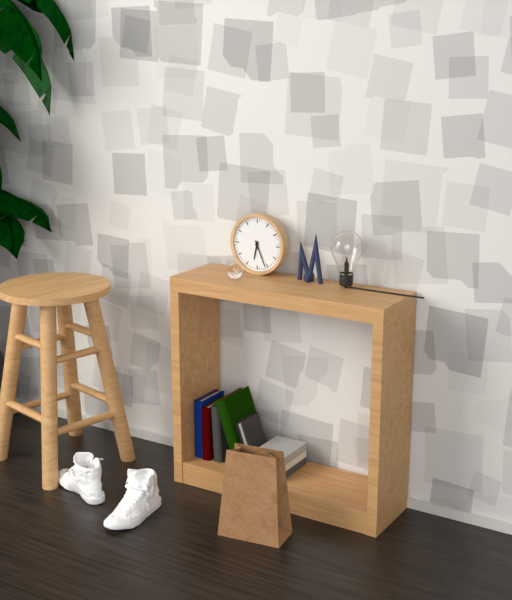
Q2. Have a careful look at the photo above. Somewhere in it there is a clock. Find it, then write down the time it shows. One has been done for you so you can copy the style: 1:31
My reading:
6:26
